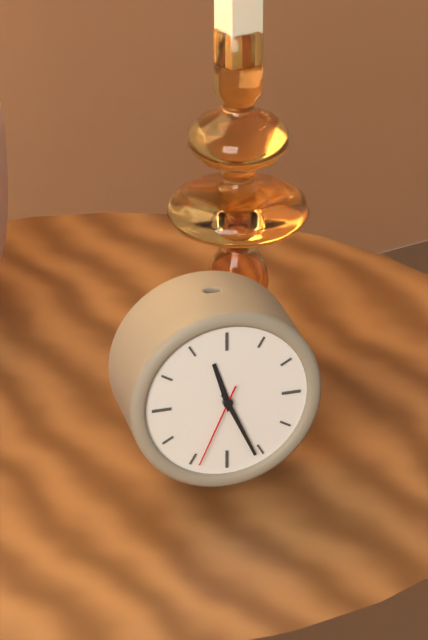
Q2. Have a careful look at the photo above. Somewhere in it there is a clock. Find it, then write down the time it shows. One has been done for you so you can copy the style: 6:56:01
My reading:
11:26:34
